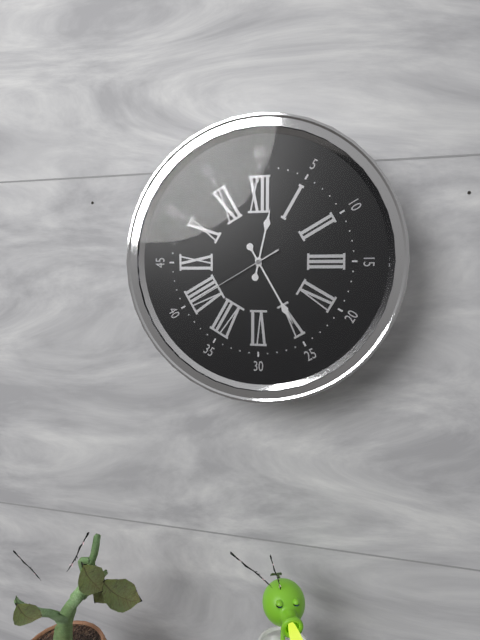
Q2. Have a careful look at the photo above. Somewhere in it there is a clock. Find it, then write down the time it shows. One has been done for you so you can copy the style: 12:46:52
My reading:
12:25:40
